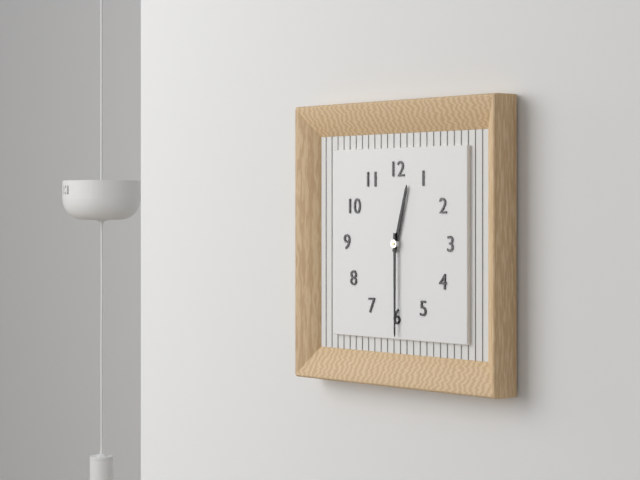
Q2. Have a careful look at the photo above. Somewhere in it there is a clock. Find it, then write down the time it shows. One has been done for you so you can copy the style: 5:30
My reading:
12:30
